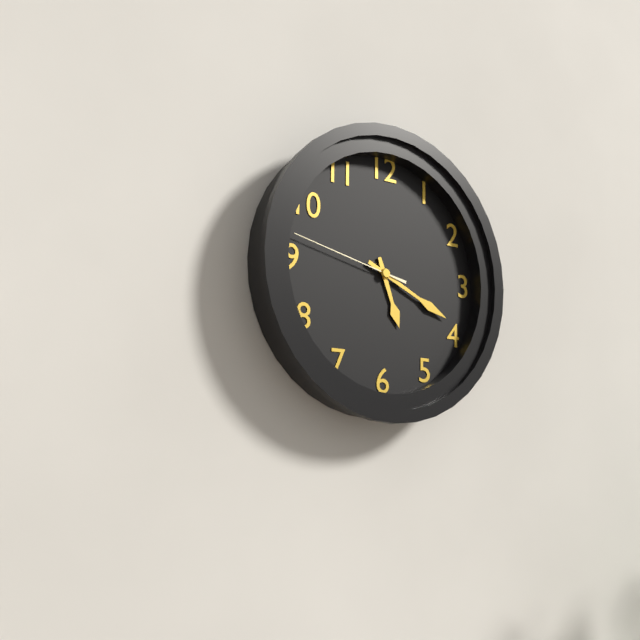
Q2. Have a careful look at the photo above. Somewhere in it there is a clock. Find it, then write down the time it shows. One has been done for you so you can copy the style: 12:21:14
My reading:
5:19:47
